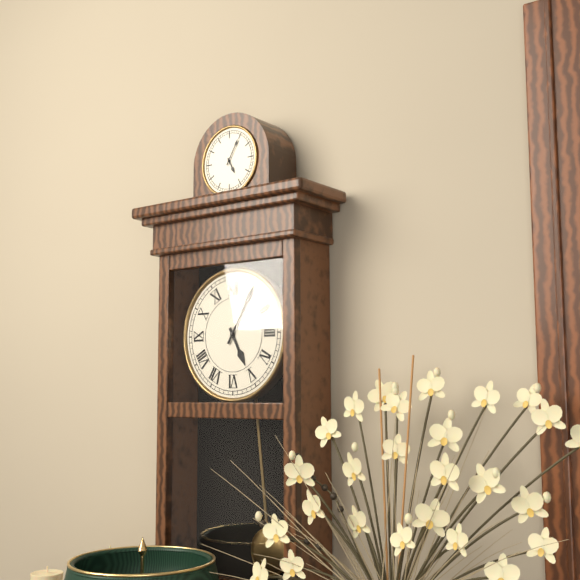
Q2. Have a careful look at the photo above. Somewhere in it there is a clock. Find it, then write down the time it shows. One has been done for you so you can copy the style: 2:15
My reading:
5:05
